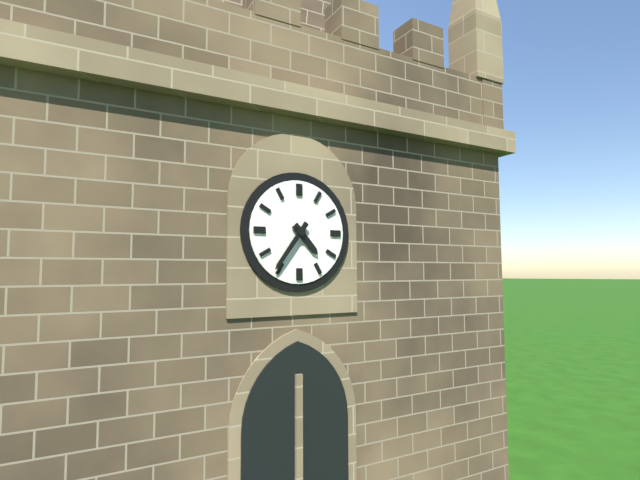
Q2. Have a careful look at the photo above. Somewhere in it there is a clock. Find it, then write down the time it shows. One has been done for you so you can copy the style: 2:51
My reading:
4:36
